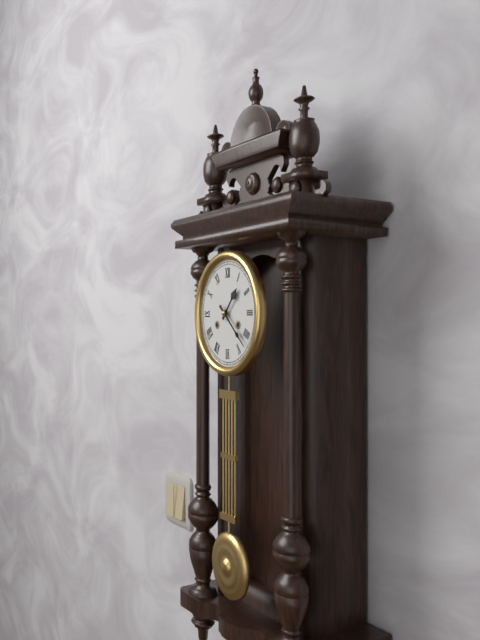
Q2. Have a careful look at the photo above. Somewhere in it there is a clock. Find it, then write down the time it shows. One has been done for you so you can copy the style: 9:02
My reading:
1:22
